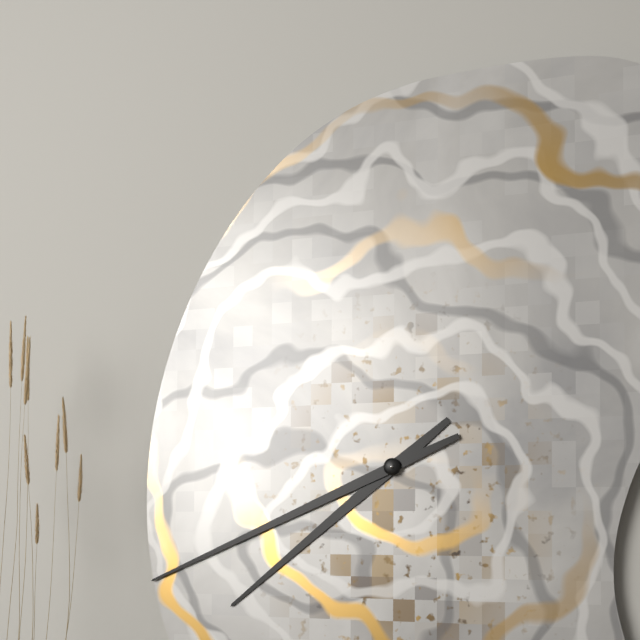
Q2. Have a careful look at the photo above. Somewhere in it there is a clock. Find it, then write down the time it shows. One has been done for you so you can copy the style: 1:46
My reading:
7:41
